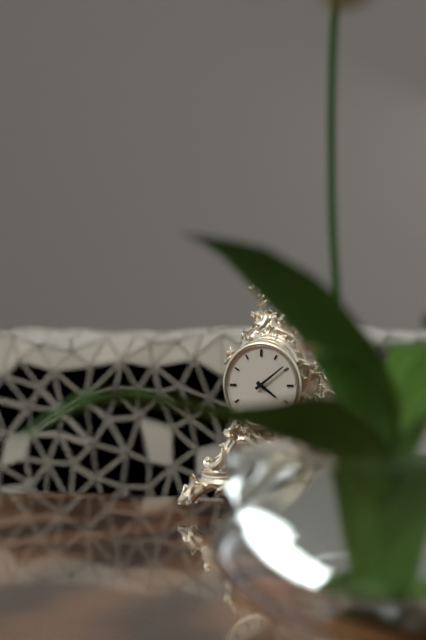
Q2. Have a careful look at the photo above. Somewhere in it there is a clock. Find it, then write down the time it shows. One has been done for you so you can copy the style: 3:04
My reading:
4:09
